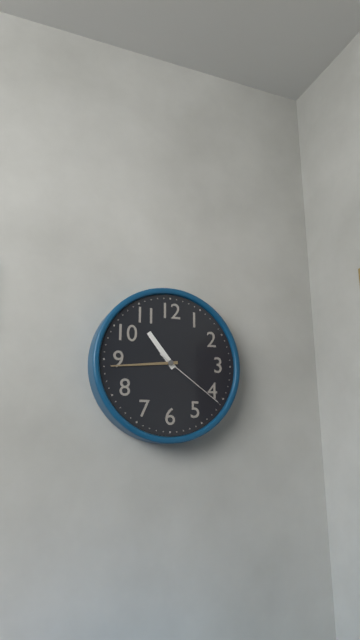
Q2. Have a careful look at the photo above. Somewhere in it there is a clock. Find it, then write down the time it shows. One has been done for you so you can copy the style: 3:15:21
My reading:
10:44:21
